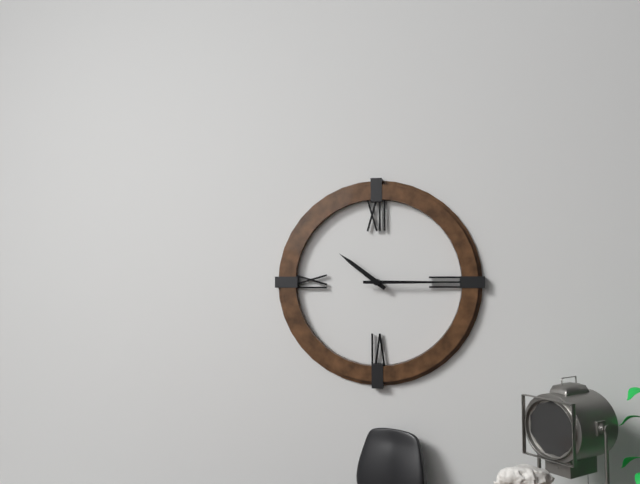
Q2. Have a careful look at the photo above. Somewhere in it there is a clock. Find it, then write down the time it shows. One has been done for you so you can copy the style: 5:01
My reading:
10:15
